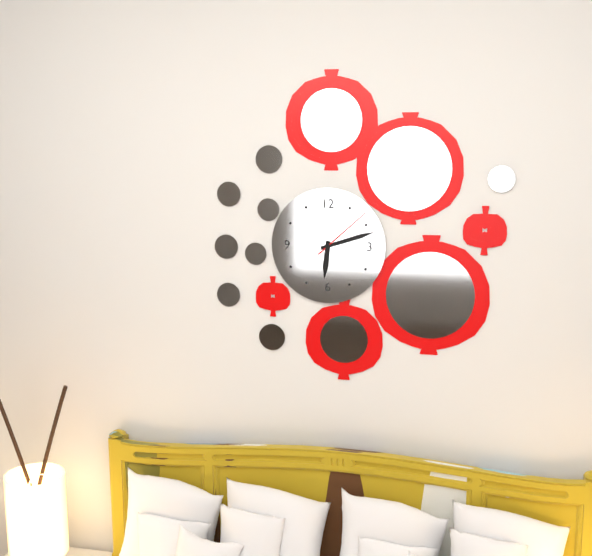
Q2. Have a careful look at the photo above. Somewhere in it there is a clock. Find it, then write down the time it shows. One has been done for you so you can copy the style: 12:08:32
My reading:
6:12:08
